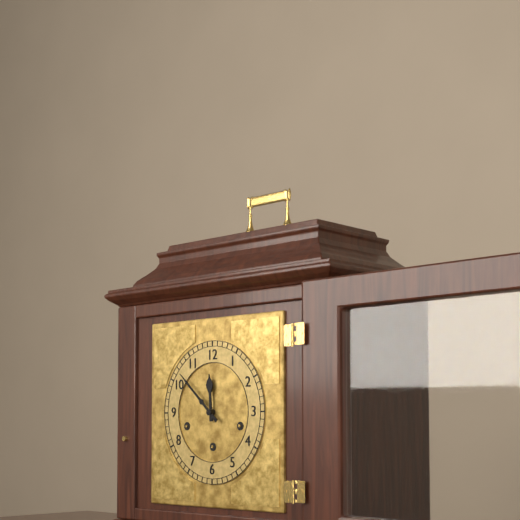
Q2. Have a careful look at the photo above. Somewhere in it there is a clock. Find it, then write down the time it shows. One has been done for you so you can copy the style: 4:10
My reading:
11:52
